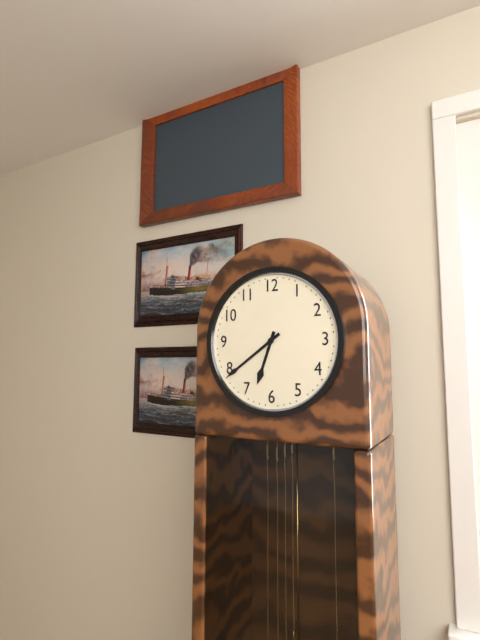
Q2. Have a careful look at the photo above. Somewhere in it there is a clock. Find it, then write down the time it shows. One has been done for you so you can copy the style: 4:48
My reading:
6:39
